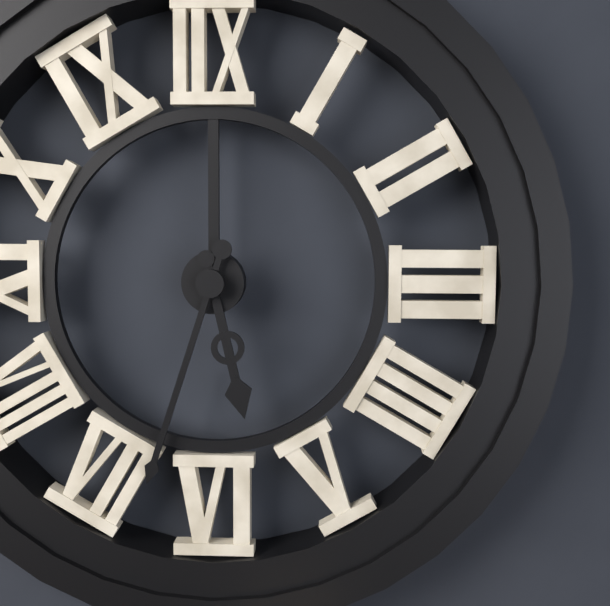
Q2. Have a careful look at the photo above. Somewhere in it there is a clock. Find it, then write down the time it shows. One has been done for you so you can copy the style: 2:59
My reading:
5:33
